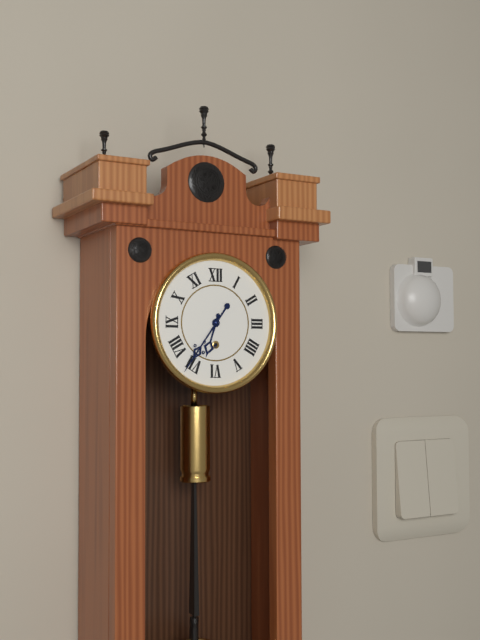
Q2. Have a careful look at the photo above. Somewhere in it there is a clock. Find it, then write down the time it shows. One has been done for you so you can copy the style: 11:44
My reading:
6:36
